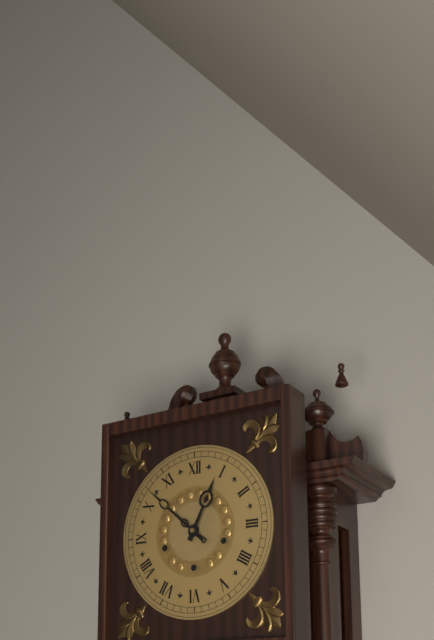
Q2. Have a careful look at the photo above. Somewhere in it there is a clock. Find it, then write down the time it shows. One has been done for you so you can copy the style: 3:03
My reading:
12:52
